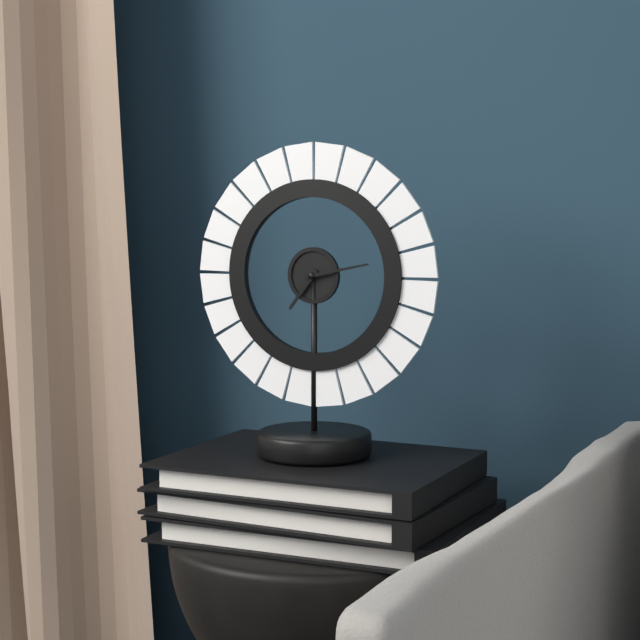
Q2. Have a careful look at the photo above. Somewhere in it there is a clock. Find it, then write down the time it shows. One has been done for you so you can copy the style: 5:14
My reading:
7:13
